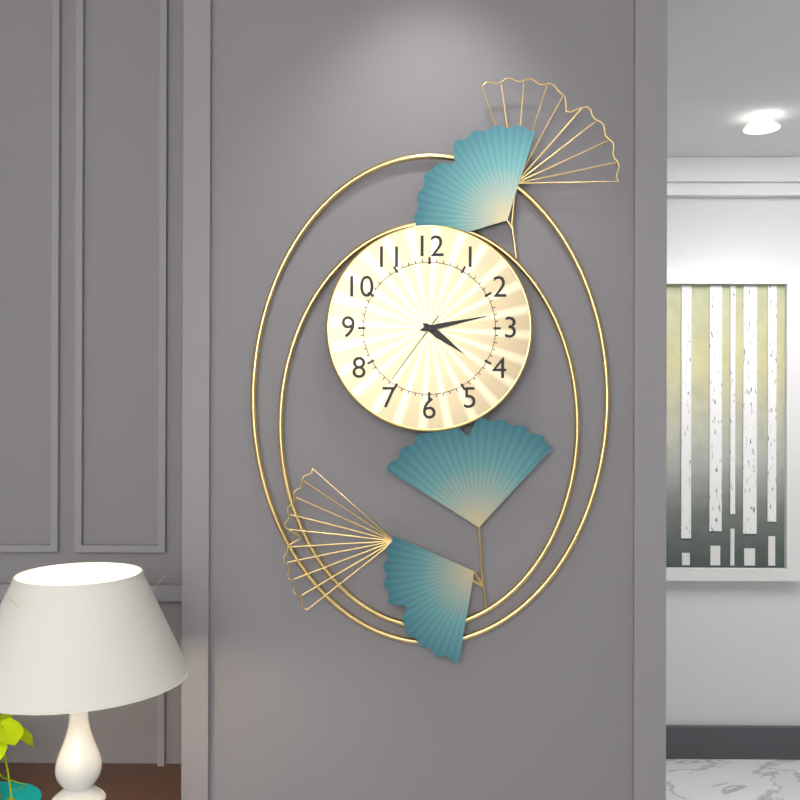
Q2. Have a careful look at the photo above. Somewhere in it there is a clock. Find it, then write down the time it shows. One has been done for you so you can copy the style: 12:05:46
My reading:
4:13:36
